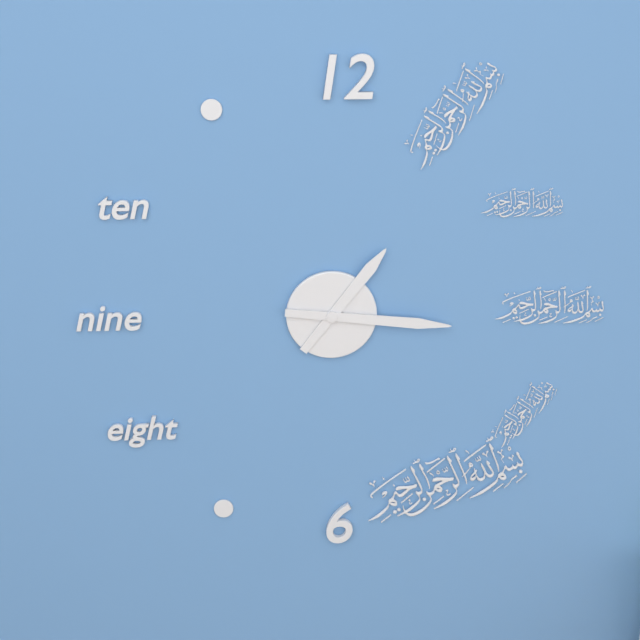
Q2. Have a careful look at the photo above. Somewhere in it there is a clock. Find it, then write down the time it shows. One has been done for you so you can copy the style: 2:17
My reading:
1:16
